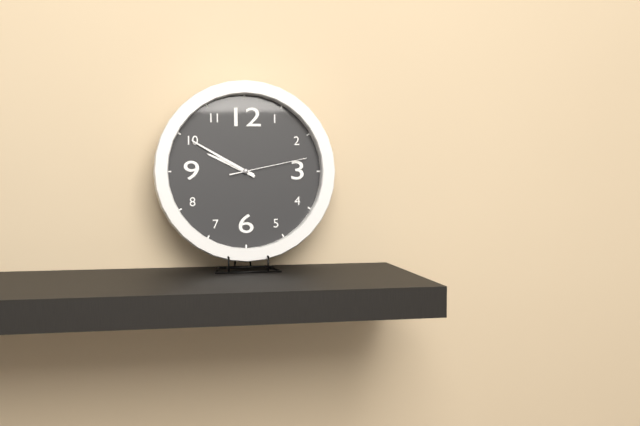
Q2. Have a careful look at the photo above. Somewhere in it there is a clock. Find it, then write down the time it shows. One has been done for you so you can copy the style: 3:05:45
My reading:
9:50:13
